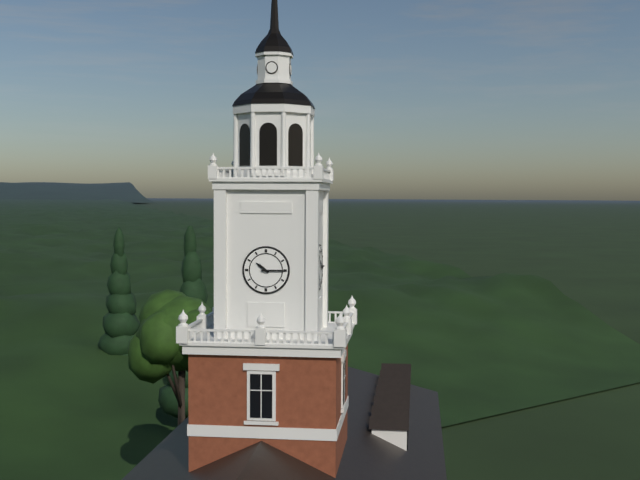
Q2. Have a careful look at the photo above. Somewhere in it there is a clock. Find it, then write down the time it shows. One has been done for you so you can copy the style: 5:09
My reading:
10:15
